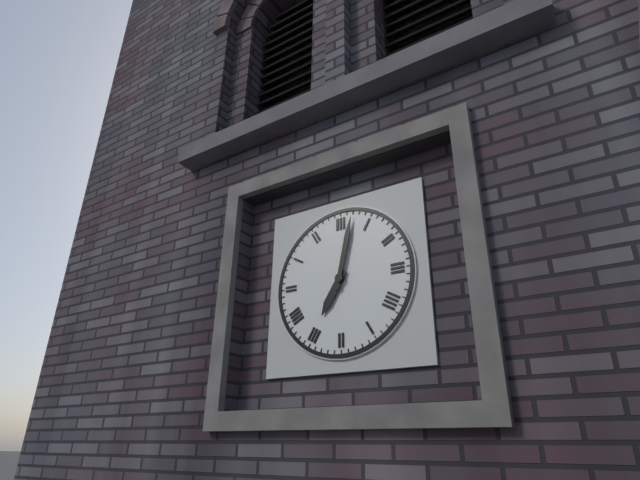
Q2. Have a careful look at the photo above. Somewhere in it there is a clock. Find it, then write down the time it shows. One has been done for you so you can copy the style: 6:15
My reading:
7:02
